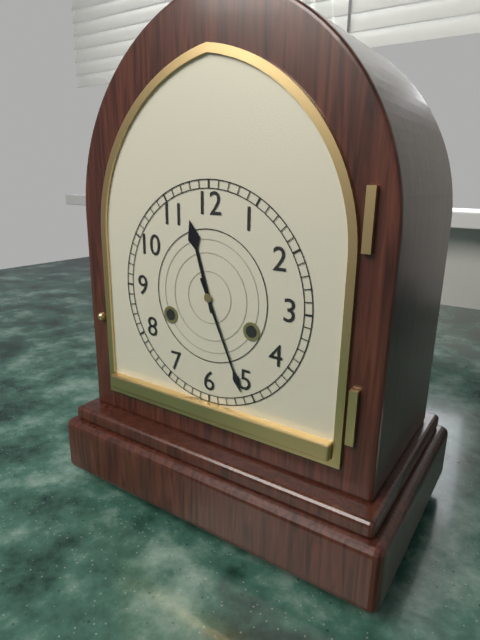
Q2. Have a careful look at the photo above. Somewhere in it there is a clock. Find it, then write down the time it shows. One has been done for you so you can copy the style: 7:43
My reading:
11:26
